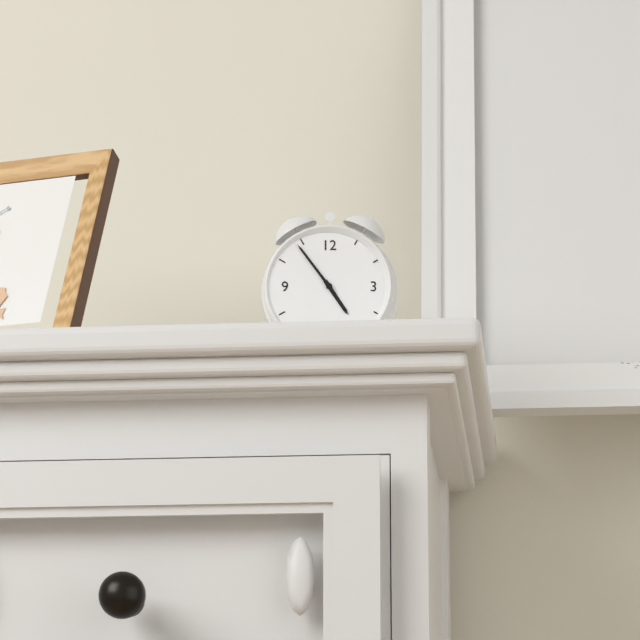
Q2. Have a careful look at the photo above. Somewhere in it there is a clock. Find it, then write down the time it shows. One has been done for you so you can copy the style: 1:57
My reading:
4:54
